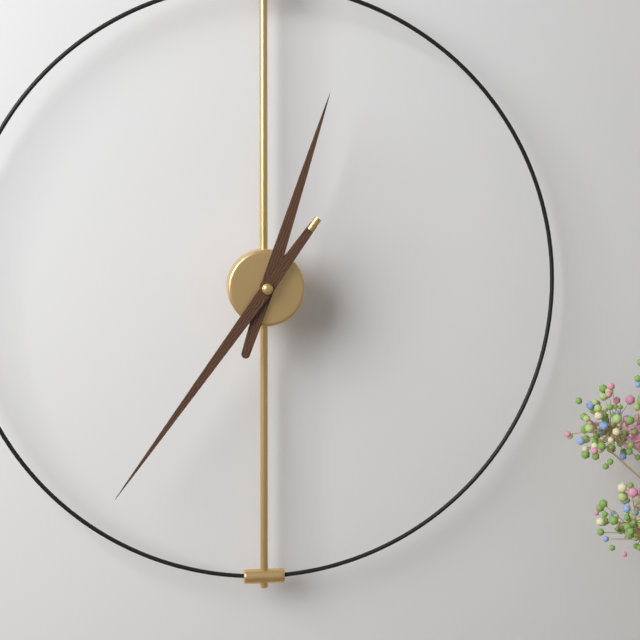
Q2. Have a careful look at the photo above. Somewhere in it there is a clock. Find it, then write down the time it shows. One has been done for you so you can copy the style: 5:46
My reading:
12:36
